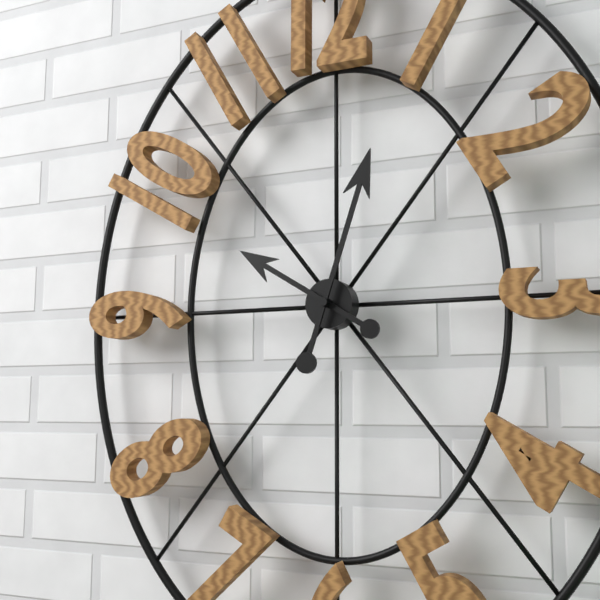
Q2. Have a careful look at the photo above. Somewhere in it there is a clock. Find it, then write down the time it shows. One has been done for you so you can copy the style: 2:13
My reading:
10:03
